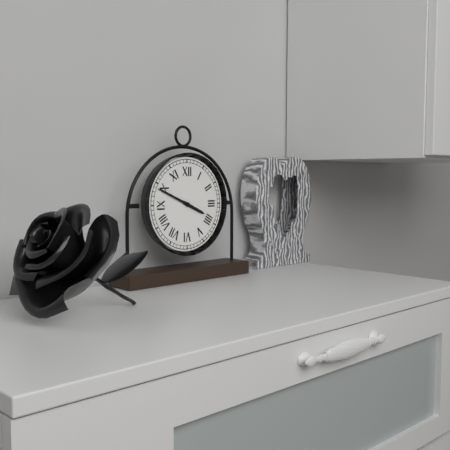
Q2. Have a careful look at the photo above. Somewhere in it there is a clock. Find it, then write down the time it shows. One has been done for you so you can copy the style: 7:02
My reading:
3:49
